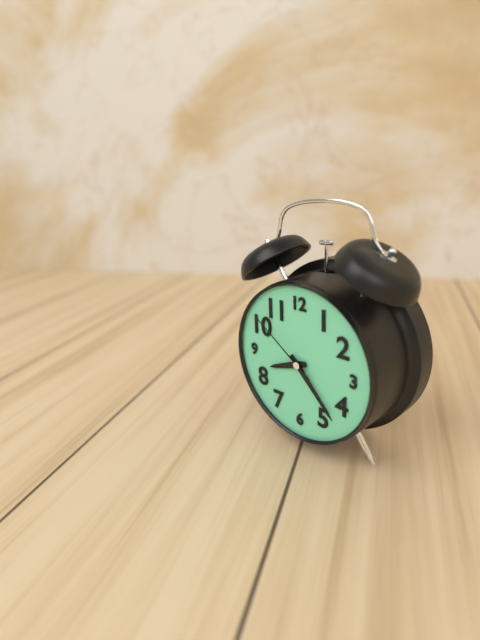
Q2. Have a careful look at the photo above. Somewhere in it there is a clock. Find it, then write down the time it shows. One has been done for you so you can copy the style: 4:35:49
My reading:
8:23:51
